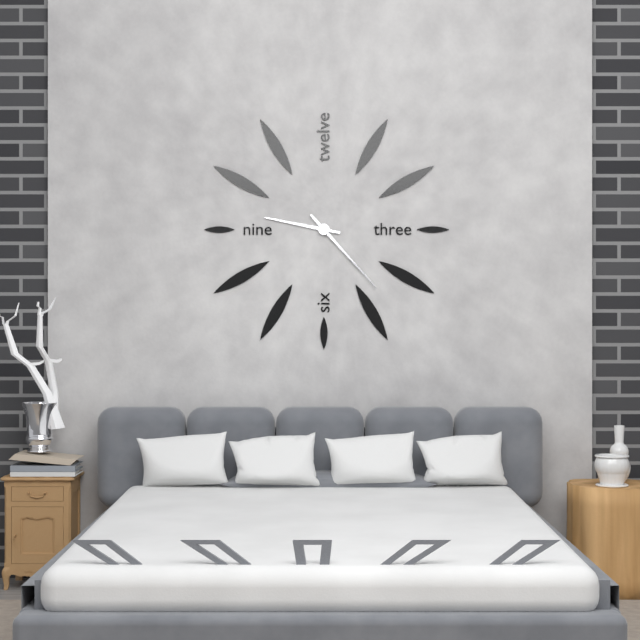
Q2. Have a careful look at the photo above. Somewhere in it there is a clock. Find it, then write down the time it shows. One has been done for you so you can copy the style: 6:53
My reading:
9:23
